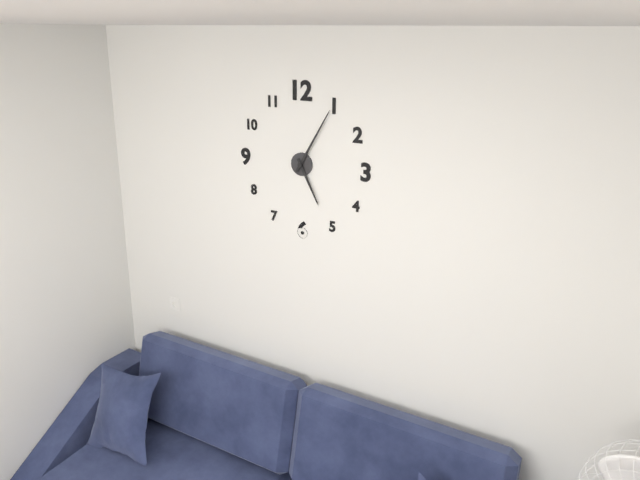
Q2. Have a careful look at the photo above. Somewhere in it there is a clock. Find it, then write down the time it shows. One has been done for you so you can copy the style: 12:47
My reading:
5:05
